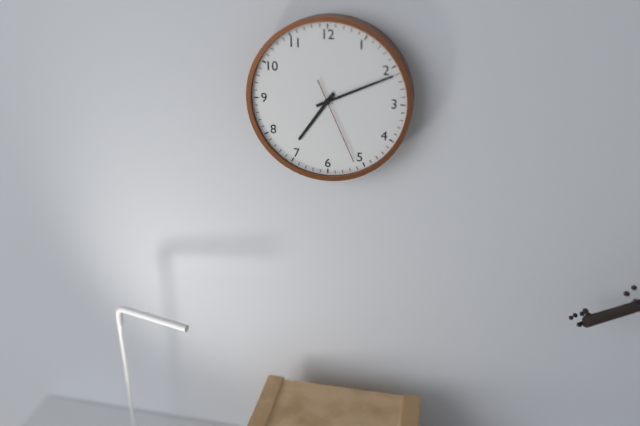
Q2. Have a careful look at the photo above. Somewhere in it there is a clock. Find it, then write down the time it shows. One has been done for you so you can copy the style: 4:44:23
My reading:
7:11:26
